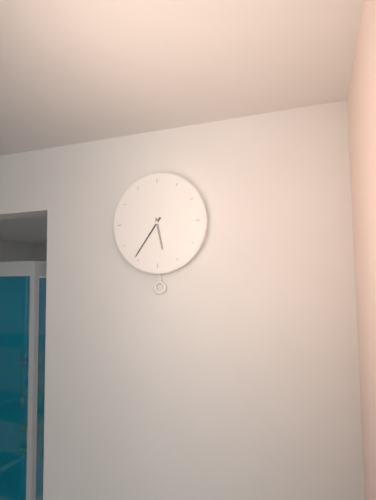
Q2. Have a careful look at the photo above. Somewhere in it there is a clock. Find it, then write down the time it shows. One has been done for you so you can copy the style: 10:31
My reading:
5:36
